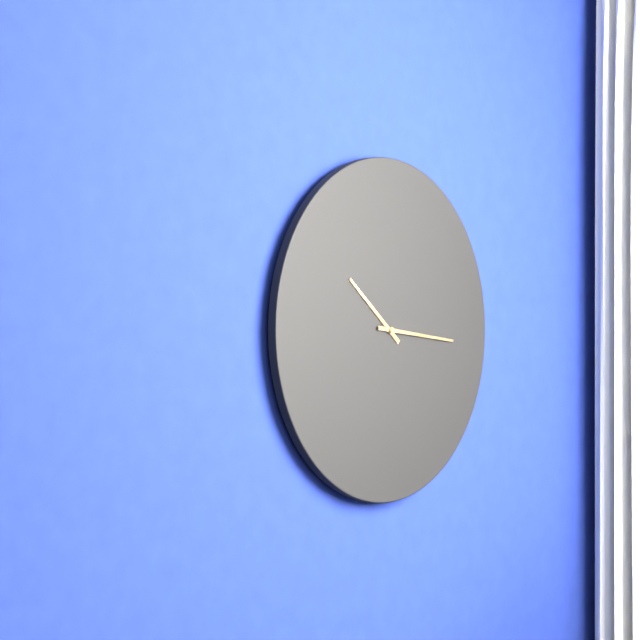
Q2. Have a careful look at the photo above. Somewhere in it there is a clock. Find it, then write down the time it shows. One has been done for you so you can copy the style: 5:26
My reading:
10:16
